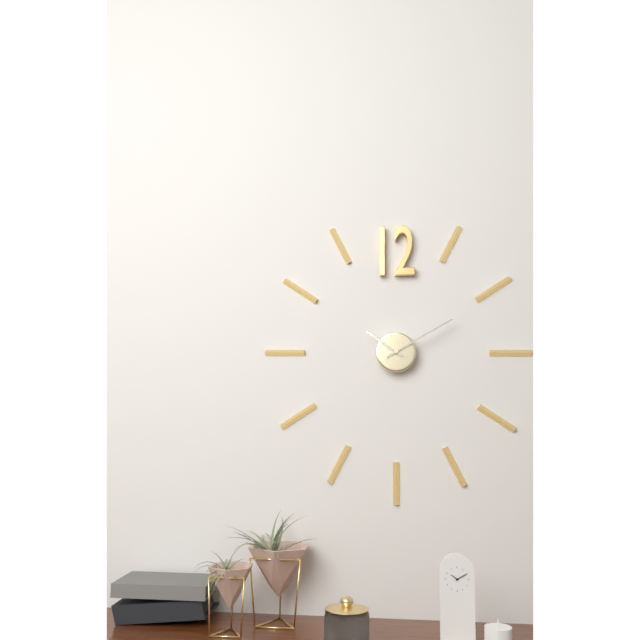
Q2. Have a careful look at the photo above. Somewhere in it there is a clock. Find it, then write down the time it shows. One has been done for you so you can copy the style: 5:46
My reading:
10:10
